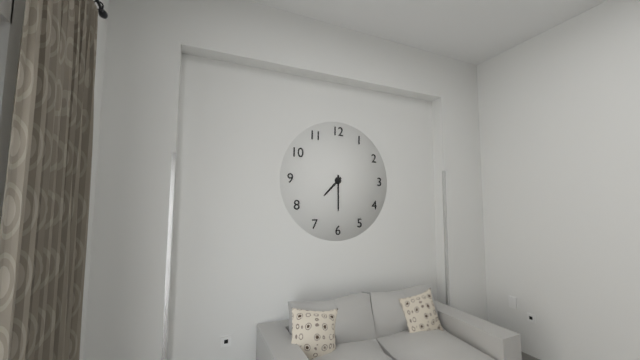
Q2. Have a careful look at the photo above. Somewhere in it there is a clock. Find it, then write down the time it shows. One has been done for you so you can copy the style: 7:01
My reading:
7:30
